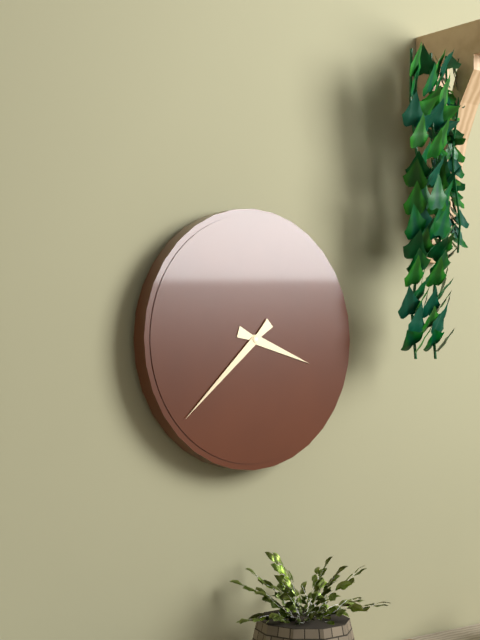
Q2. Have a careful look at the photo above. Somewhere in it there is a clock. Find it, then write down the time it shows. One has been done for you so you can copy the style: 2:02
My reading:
3:38
